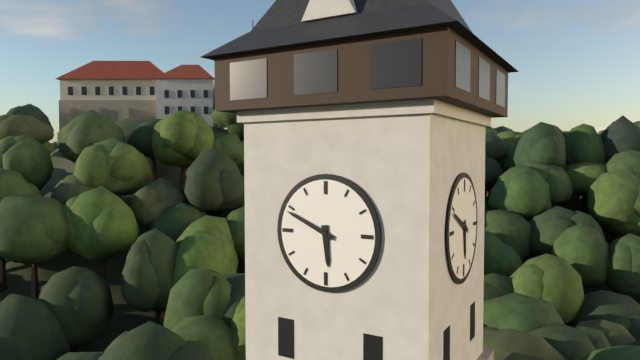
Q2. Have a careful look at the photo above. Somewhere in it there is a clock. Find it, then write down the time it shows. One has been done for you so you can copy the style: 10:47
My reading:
5:49
